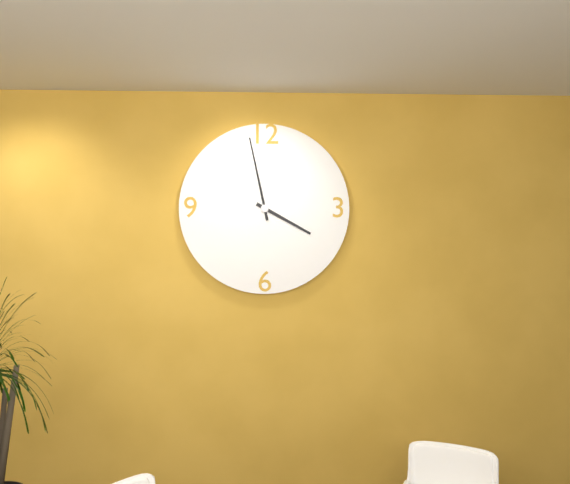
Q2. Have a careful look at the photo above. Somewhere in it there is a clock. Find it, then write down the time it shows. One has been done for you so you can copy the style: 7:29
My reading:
3:58
